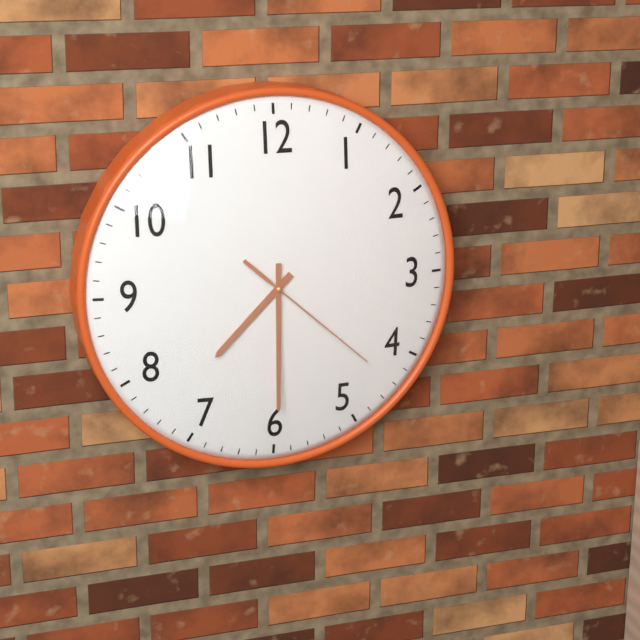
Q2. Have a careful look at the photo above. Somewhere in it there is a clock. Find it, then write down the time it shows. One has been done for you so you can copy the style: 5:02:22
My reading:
7:30:22
